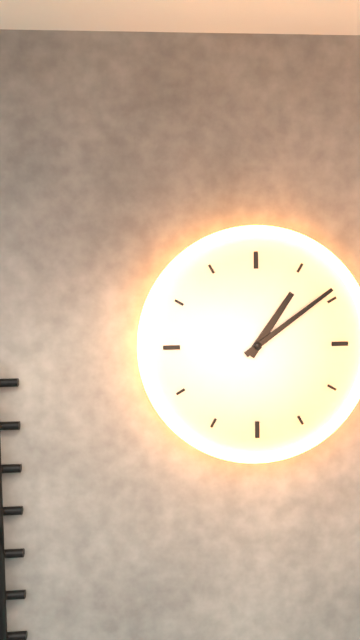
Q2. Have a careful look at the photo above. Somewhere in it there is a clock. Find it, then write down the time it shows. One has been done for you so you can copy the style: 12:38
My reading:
1:09
